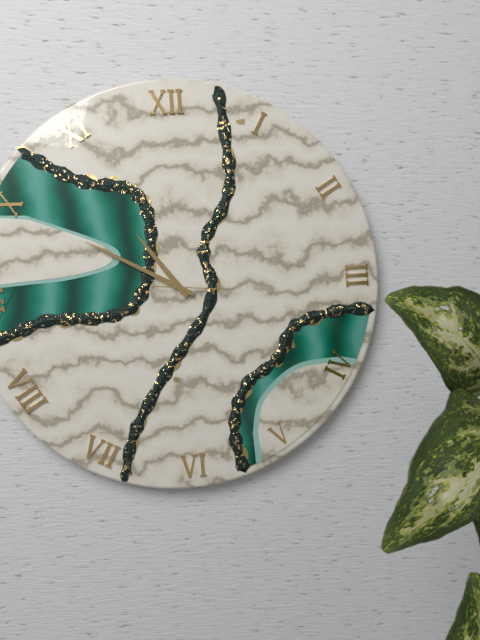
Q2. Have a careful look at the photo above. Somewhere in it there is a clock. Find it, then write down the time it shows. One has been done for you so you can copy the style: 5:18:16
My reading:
10:50:16
